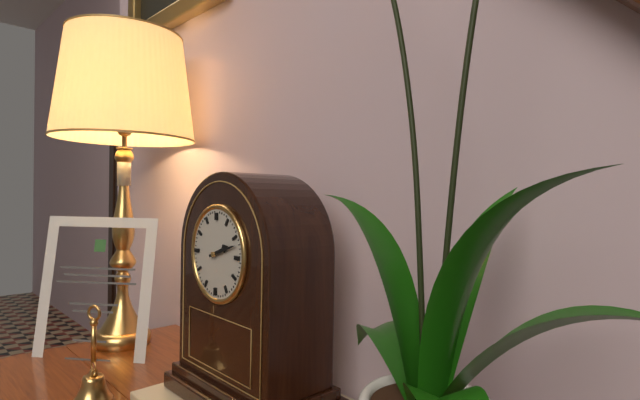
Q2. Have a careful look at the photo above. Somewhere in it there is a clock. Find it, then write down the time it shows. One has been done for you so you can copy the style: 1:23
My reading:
2:12
